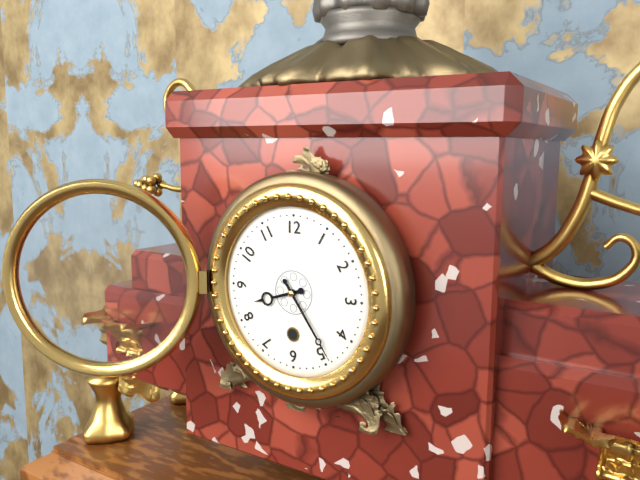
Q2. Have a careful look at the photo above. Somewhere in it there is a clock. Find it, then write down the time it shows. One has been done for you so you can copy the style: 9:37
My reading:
8:24
